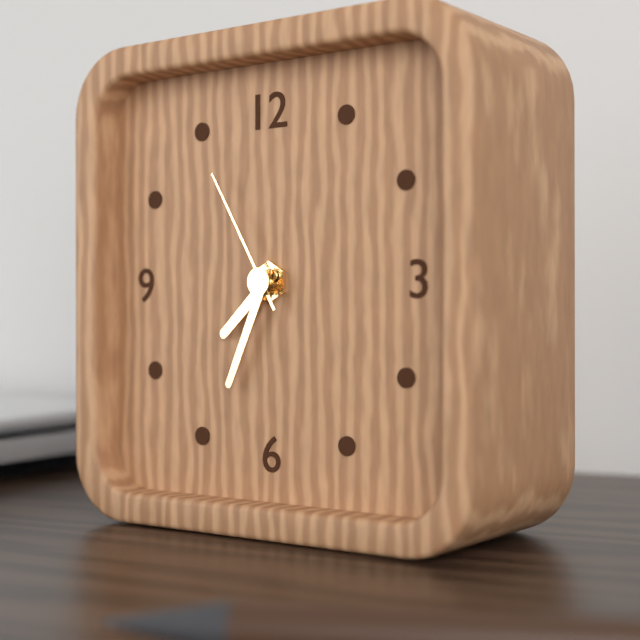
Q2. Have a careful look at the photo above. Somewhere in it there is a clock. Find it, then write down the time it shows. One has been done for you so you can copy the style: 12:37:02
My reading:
7:34:55
